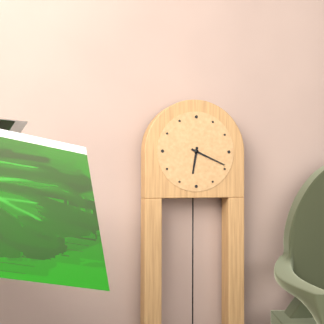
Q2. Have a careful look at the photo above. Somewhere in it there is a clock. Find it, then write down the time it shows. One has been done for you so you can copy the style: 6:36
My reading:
6:19
